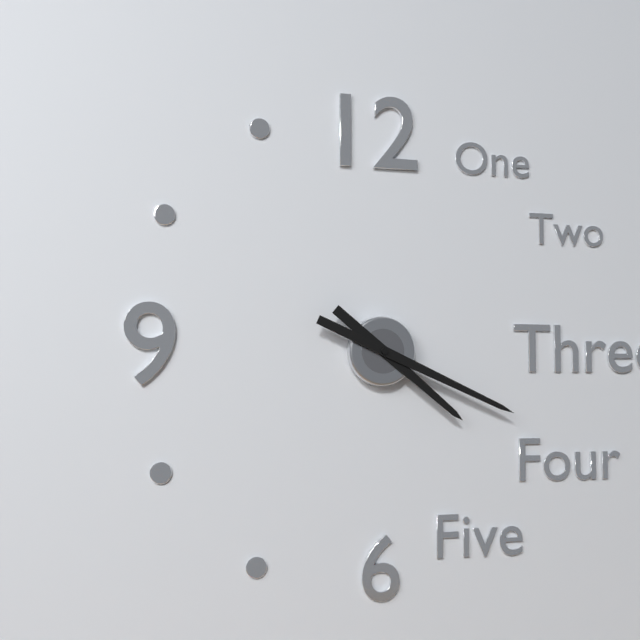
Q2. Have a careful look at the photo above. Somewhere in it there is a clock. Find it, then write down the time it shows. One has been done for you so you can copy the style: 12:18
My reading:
4:19
